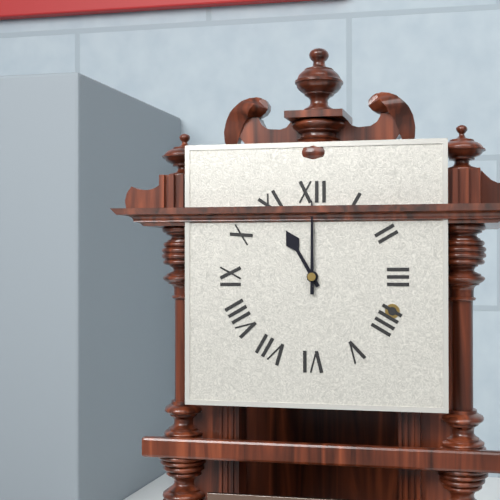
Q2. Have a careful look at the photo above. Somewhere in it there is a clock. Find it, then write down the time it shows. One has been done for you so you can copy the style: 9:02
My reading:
11:00
